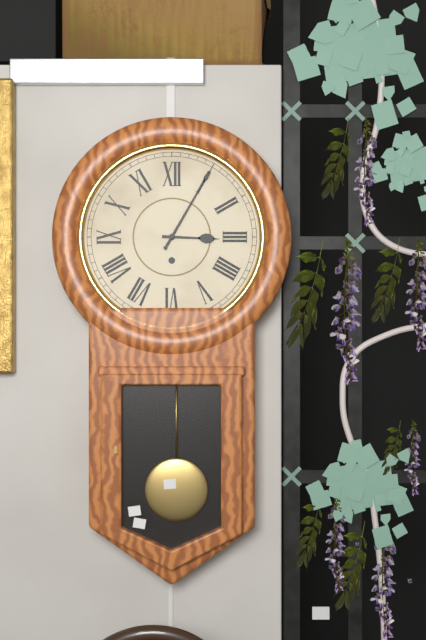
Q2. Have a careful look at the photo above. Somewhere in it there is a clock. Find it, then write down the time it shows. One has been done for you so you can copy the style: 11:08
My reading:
3:05
